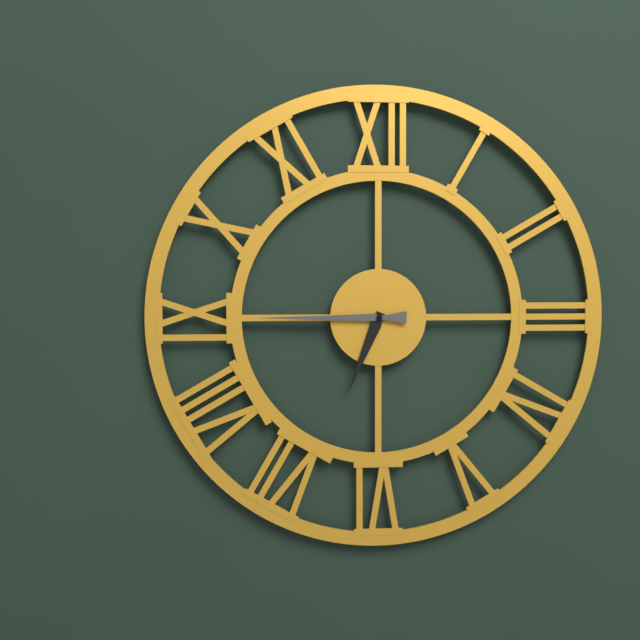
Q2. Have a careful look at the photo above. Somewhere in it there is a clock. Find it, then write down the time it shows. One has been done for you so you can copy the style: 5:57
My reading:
6:45
